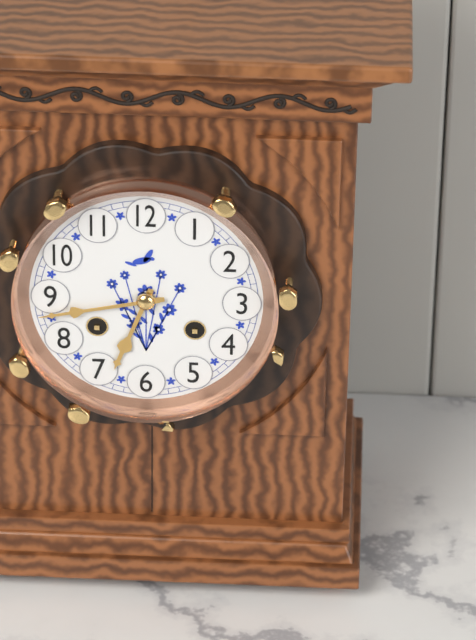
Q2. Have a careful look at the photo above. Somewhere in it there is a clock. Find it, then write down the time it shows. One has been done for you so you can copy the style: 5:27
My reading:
6:43
